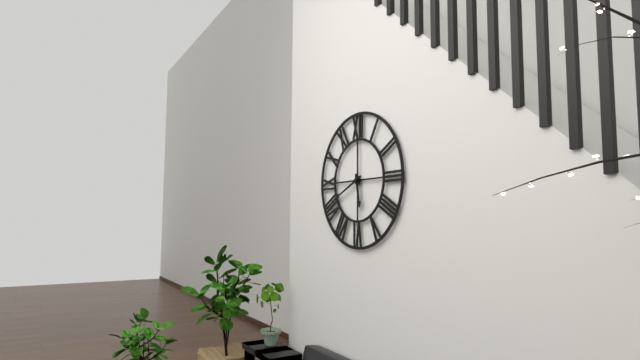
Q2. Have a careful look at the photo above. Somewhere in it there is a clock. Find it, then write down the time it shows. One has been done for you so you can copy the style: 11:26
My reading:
5:41
